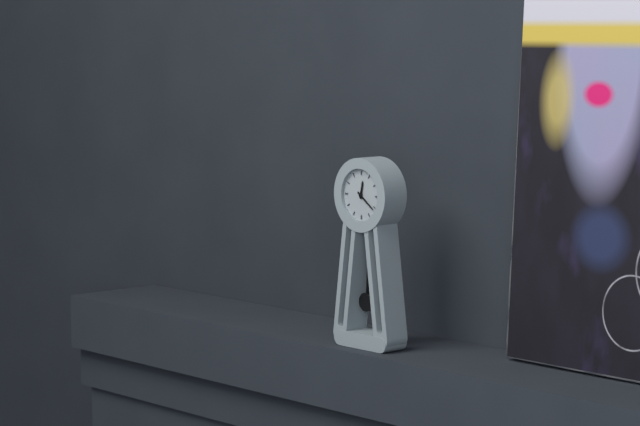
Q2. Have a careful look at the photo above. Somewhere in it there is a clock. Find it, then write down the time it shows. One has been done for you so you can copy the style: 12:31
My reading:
12:21
